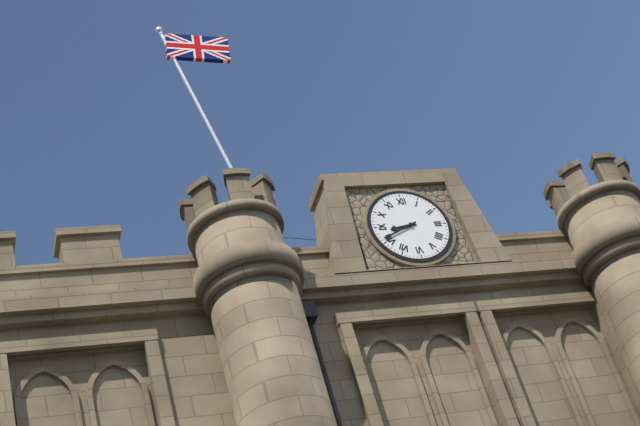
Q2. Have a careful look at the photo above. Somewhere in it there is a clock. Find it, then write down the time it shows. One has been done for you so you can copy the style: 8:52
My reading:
8:41
